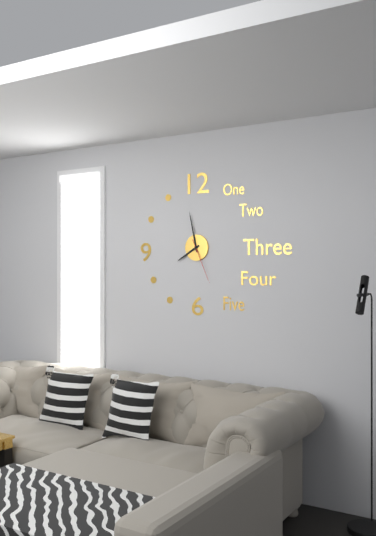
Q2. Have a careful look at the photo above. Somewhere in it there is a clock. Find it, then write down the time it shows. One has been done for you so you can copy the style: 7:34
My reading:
7:58
